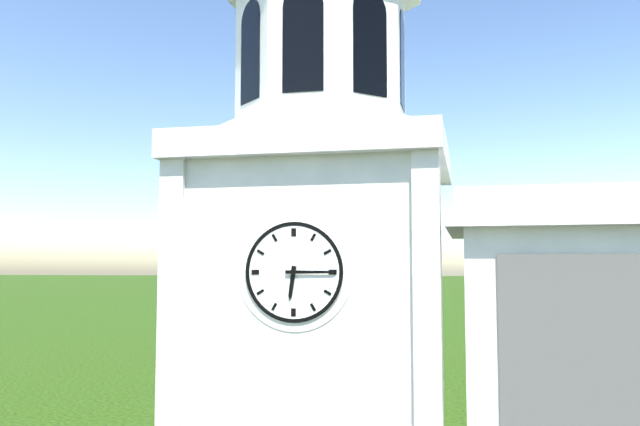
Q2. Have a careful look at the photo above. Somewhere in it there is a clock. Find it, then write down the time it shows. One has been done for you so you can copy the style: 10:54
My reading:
6:15
